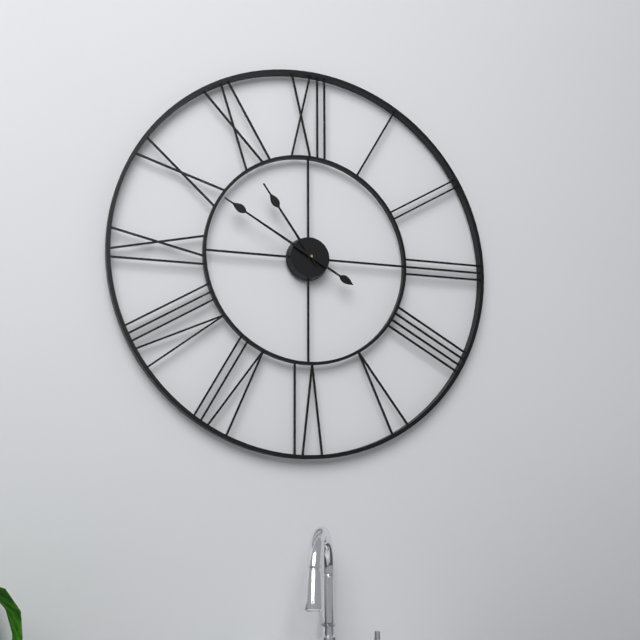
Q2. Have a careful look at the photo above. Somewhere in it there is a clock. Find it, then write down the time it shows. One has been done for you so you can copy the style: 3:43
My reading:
10:50
